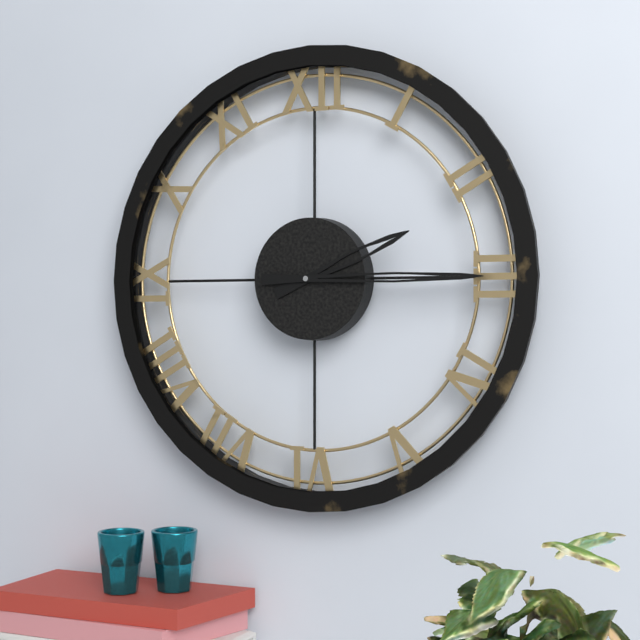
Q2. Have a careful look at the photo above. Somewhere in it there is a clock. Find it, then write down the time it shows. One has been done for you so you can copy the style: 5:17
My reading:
2:15
